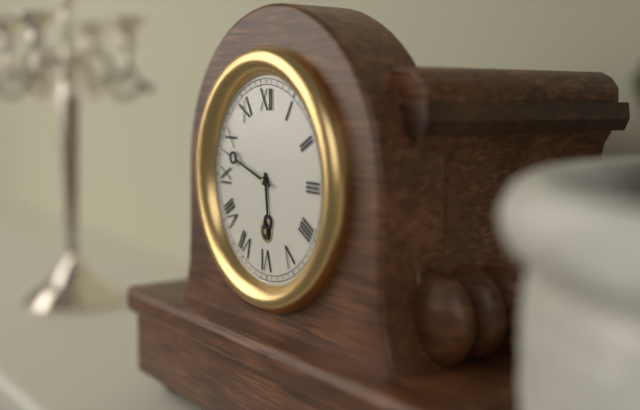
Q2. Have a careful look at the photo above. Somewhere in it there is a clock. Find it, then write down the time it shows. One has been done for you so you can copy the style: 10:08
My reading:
5:48
